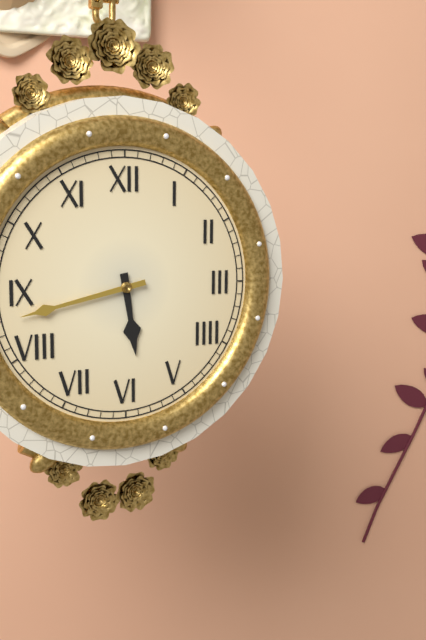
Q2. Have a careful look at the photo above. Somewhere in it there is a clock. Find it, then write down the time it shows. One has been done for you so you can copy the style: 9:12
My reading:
5:43
